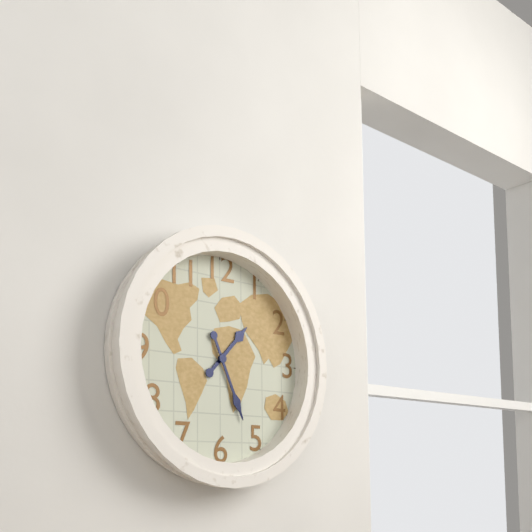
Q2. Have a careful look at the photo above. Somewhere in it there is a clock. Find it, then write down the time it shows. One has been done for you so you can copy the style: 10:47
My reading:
1:26
